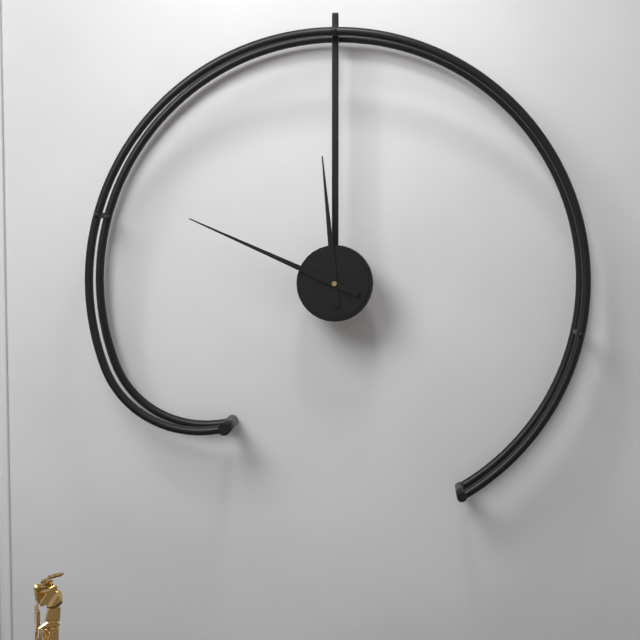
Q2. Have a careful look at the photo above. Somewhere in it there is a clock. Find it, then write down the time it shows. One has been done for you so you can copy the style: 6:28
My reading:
11:49
